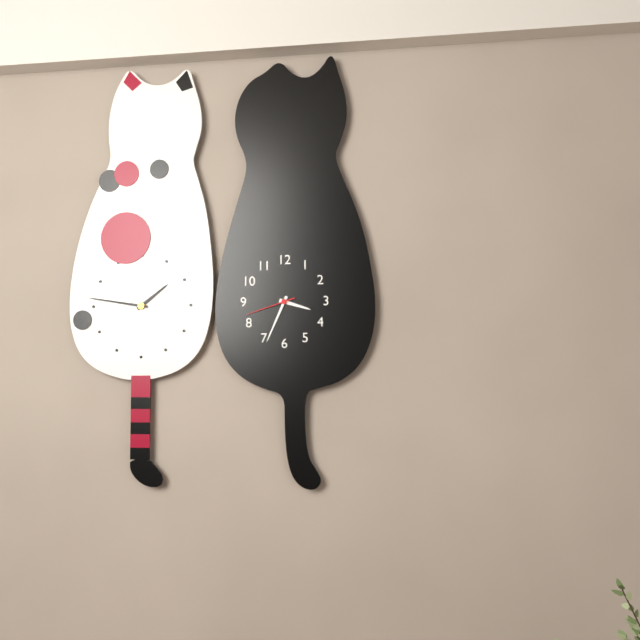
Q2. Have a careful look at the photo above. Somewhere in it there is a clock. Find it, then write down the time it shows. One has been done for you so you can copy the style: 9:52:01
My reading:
3:34:42
